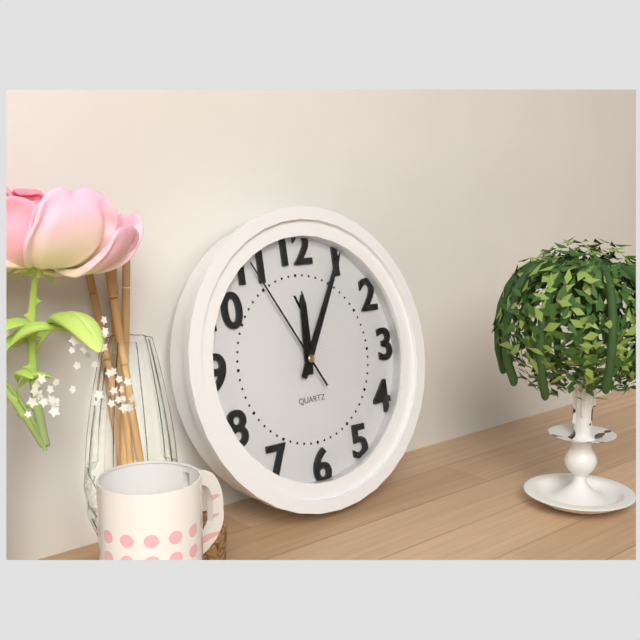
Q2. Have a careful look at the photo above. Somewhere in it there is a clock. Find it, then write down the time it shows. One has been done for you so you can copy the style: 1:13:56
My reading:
12:05:55
